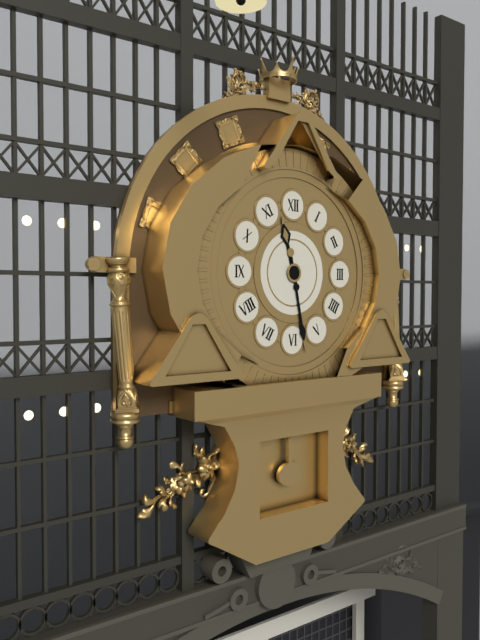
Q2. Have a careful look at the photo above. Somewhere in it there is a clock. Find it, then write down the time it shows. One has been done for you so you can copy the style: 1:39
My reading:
11:28
